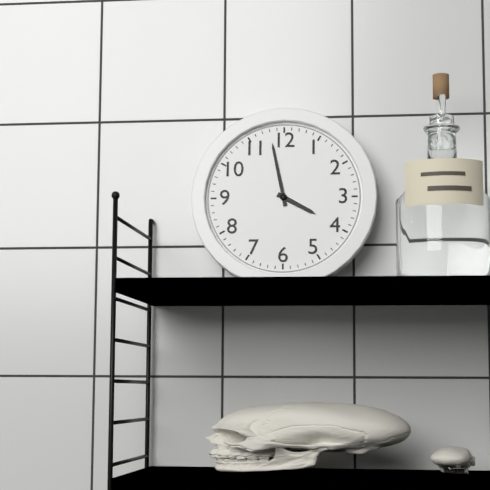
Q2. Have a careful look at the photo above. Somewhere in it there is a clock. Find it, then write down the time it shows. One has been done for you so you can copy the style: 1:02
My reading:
3:58
